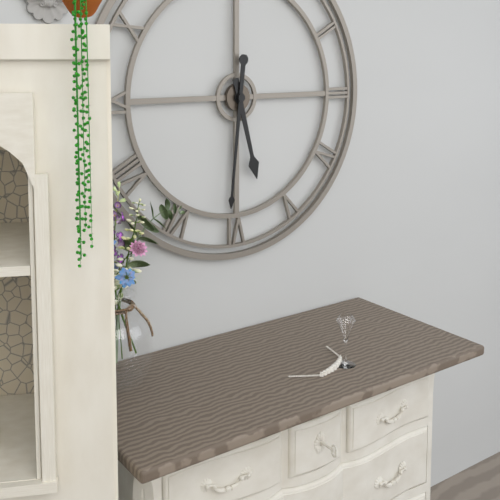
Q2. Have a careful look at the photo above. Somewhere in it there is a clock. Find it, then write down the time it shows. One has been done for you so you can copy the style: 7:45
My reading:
5:31
